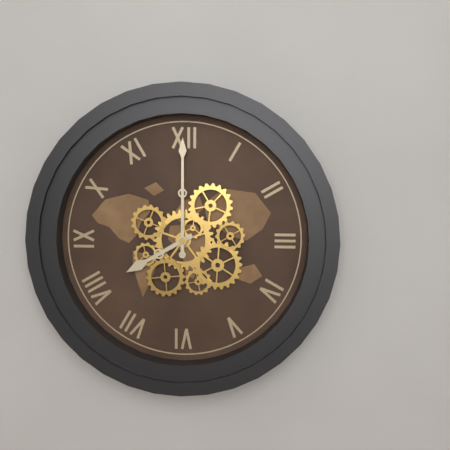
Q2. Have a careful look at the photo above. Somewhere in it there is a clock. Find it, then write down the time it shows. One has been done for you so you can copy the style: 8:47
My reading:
8:00
